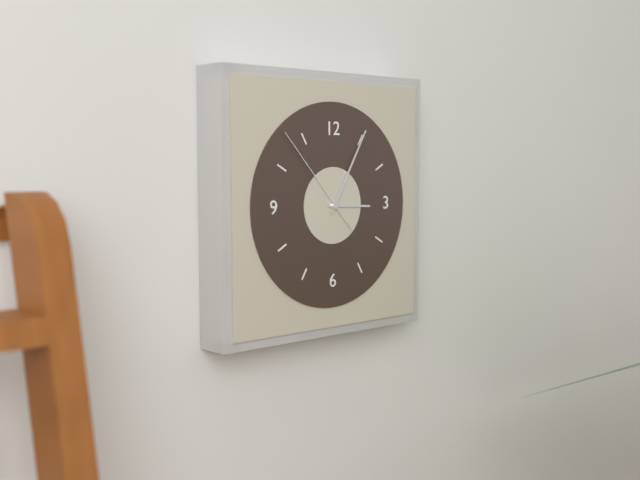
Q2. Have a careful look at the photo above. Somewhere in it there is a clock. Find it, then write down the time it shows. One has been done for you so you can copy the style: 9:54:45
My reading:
3:05:53
